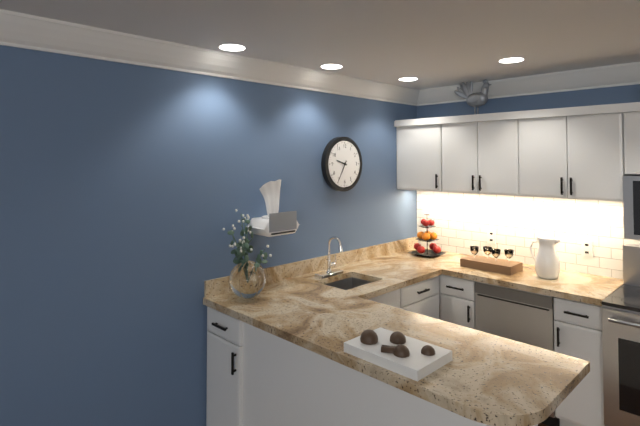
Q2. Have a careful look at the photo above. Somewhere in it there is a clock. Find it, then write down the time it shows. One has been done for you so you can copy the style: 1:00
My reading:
9:35
